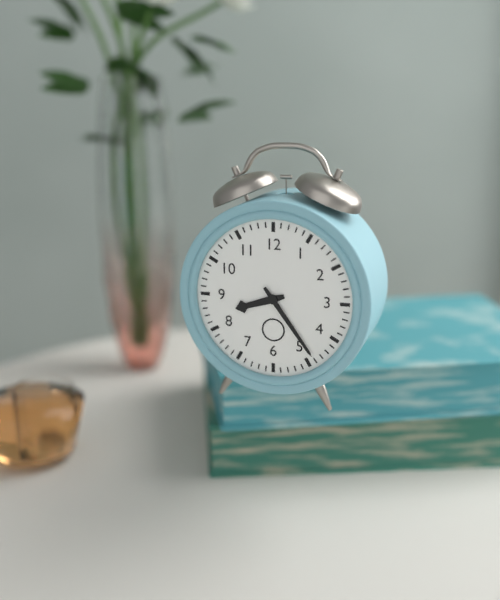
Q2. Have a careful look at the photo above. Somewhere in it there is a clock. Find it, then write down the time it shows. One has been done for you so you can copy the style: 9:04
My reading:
8:24
